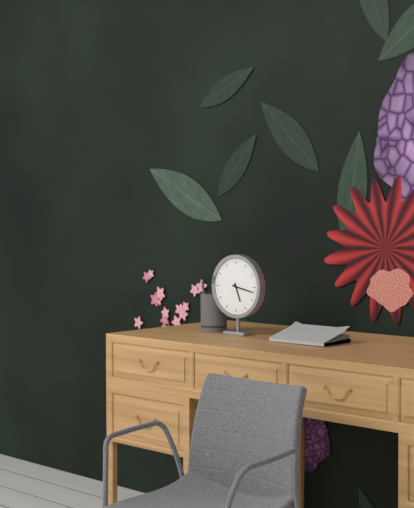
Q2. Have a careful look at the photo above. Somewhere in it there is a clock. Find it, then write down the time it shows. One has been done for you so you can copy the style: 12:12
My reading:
5:17
